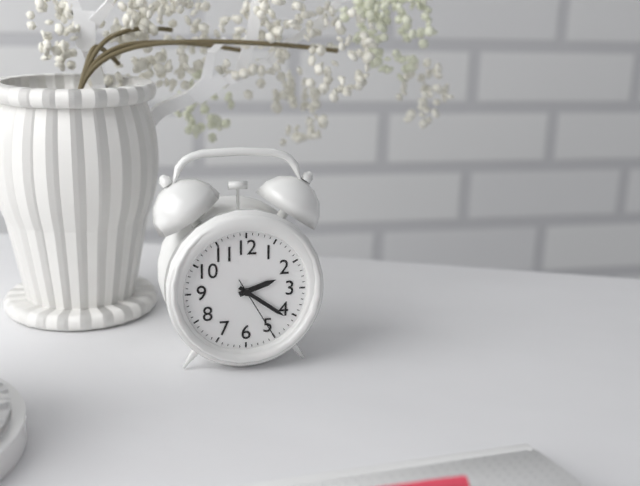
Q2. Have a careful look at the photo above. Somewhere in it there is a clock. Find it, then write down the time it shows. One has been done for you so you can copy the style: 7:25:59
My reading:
2:21:25
